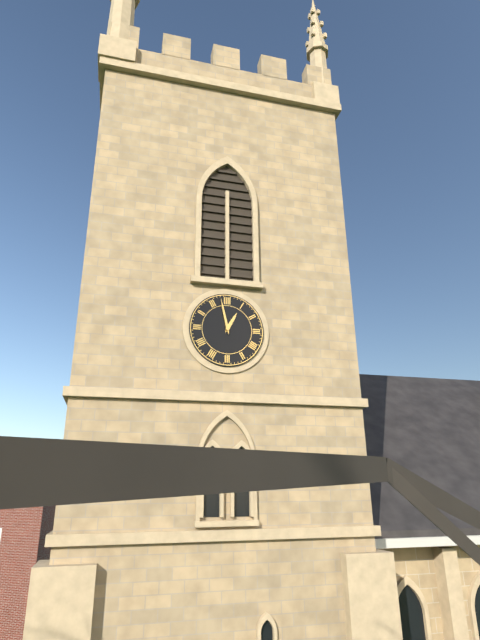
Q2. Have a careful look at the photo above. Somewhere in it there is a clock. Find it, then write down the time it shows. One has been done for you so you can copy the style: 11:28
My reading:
12:58
